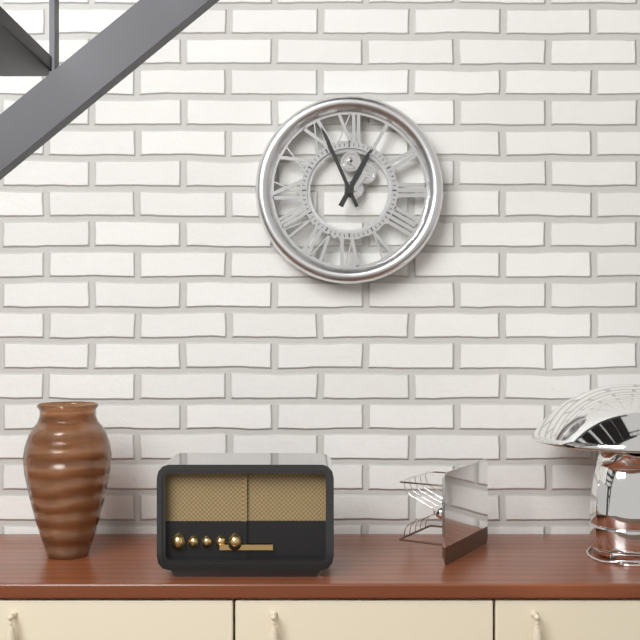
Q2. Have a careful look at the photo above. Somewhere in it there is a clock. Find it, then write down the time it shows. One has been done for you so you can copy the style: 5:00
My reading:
12:56
